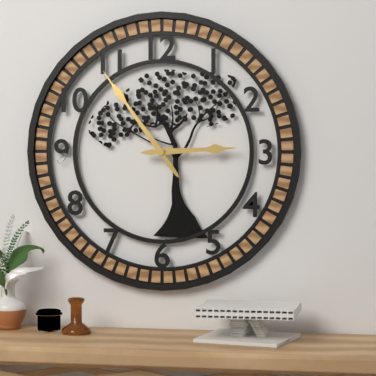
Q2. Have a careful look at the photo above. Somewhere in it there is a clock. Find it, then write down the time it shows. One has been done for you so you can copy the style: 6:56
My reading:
2:54
